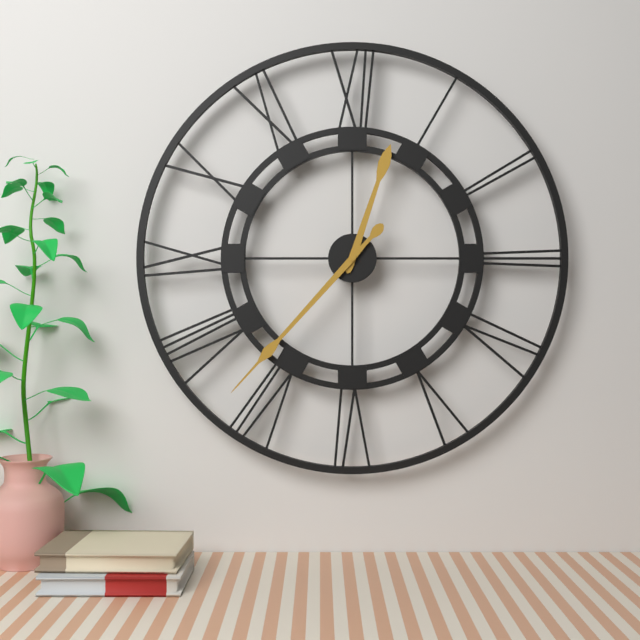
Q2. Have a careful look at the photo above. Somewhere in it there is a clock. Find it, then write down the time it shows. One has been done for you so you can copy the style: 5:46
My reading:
12:37
